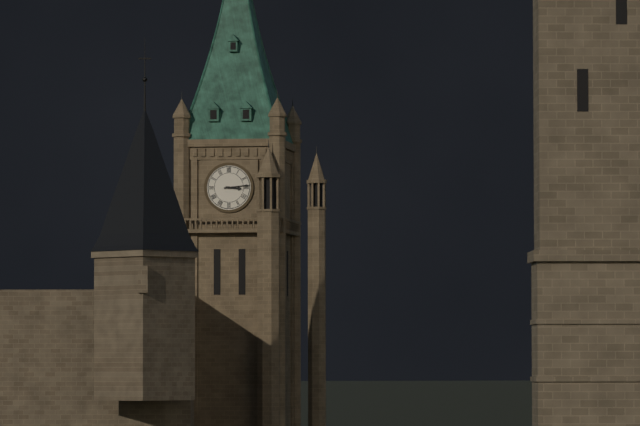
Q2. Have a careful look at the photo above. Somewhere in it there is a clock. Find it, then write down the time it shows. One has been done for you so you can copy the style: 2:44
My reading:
3:14
